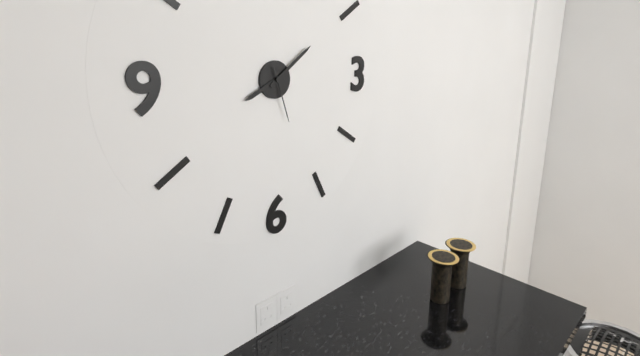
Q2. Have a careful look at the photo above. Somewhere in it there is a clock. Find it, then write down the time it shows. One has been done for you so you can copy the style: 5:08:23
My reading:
8:09:27
